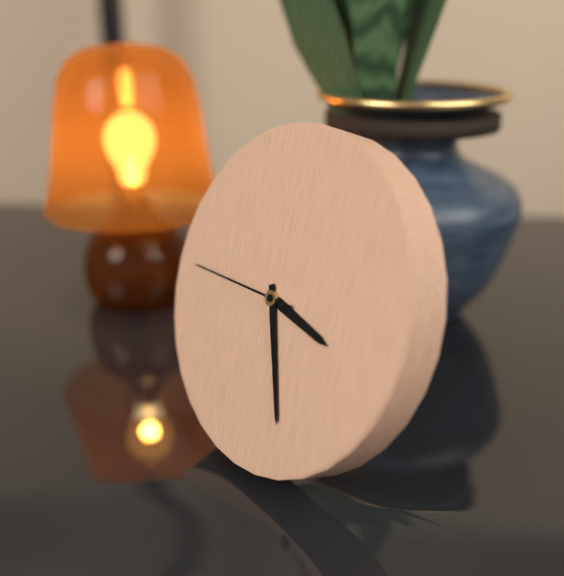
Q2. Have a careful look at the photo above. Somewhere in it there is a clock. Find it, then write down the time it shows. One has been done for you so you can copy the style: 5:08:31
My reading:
3:26:45
